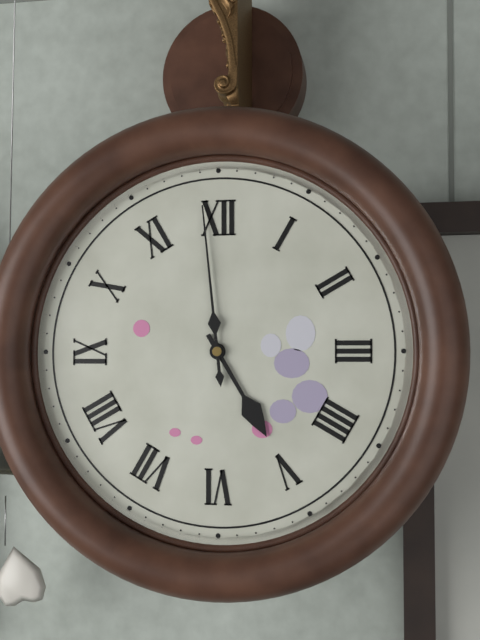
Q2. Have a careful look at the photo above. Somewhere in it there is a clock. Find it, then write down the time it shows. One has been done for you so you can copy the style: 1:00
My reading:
4:59
